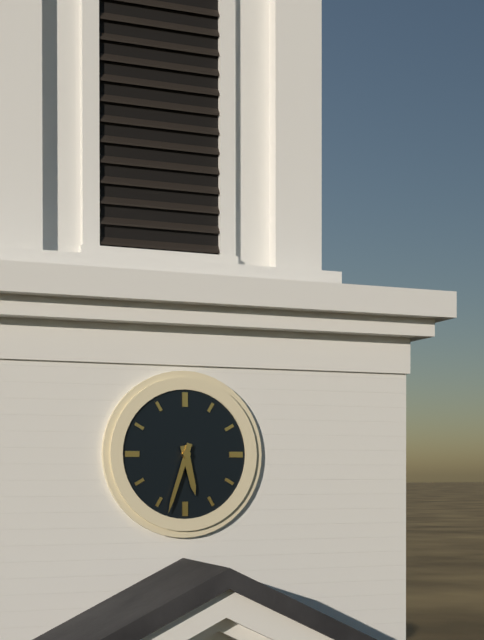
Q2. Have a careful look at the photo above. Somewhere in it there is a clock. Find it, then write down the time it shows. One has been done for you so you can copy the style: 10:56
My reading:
5:33
